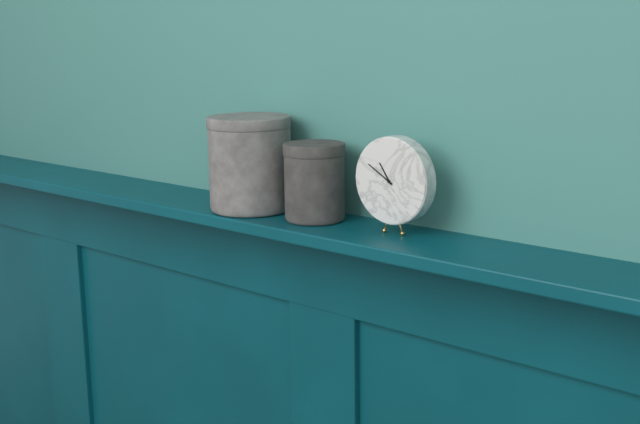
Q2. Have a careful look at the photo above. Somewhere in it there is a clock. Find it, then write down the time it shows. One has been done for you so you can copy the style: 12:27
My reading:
10:50
